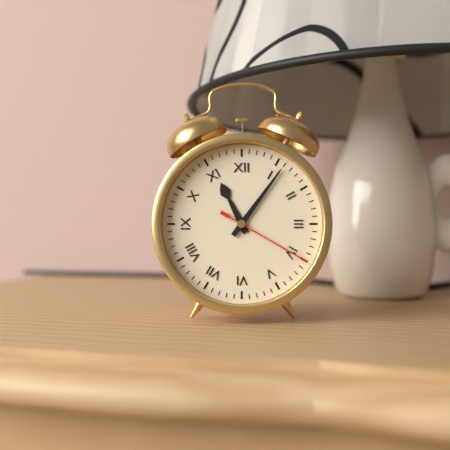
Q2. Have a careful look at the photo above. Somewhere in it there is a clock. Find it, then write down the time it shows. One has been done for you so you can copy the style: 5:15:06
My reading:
11:06:20
